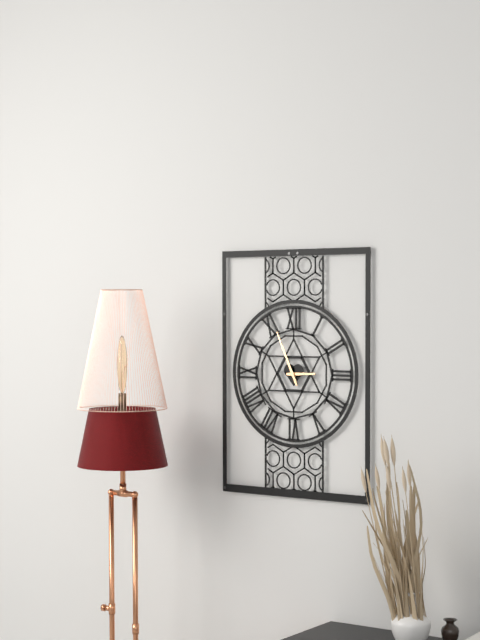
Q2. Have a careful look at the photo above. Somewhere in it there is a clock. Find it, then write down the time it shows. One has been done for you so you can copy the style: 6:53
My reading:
2:56
